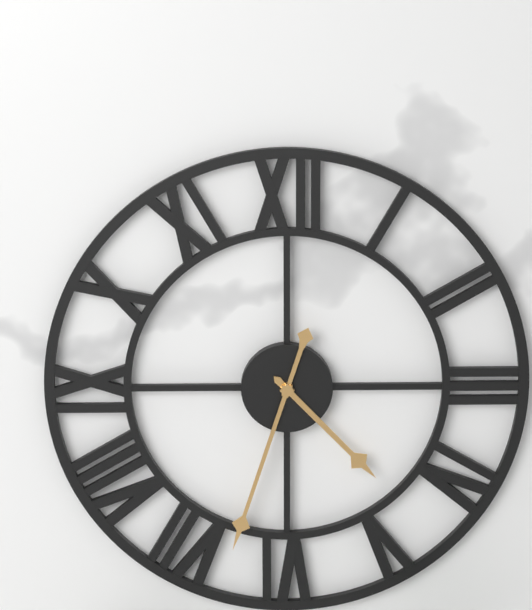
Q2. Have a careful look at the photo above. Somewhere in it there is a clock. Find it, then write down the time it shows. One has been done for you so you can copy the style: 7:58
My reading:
4:33
